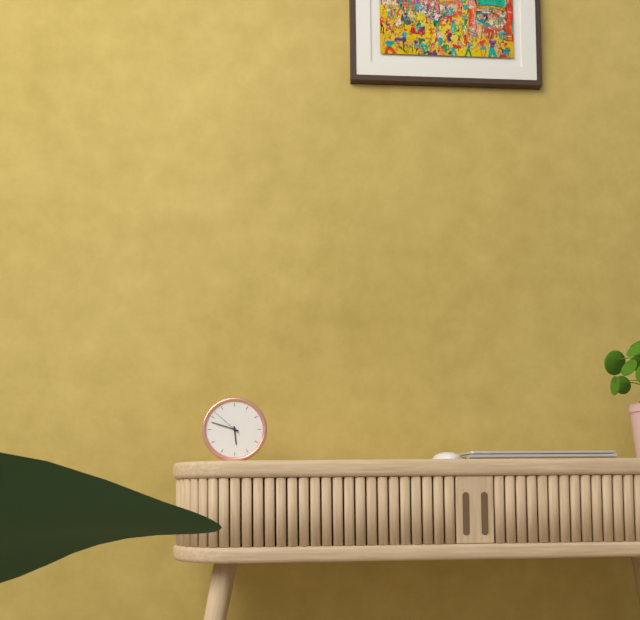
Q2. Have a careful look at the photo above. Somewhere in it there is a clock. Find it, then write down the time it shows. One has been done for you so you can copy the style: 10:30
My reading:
5:48
